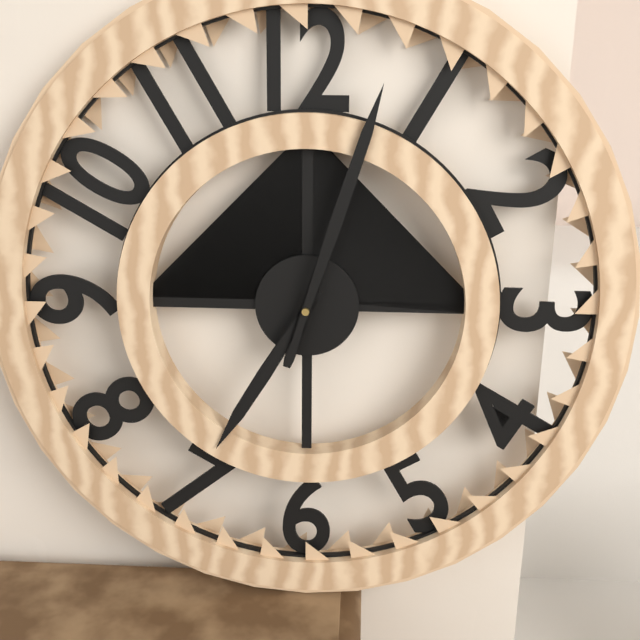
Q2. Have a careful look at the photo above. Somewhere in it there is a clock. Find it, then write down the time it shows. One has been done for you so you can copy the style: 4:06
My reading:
7:03
